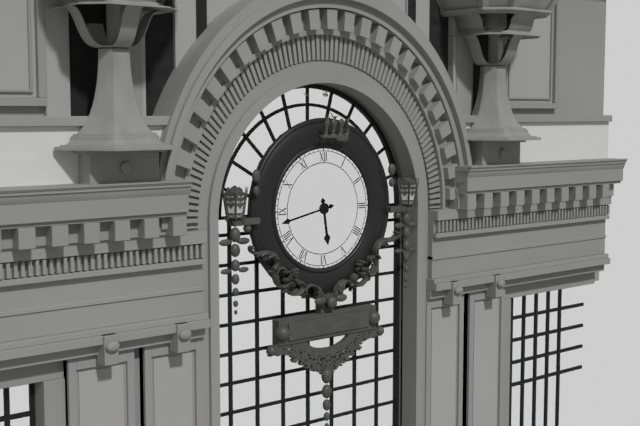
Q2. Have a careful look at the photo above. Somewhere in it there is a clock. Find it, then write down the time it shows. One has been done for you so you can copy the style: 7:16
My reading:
5:43
